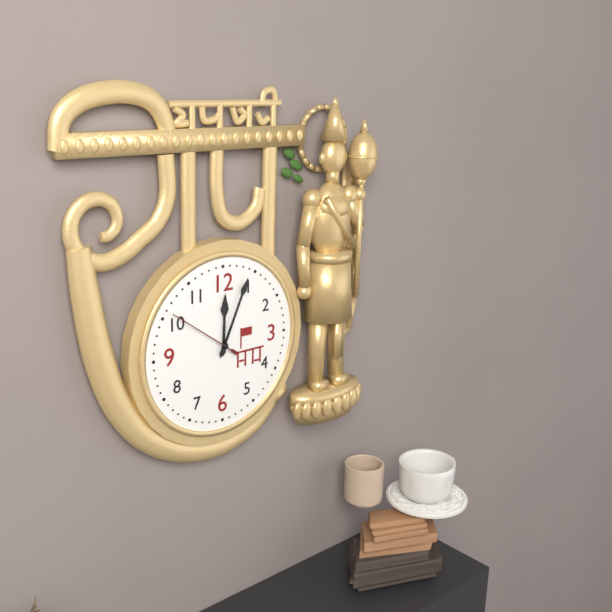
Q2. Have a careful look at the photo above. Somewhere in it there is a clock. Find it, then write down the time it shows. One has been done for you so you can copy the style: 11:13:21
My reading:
12:04:51
